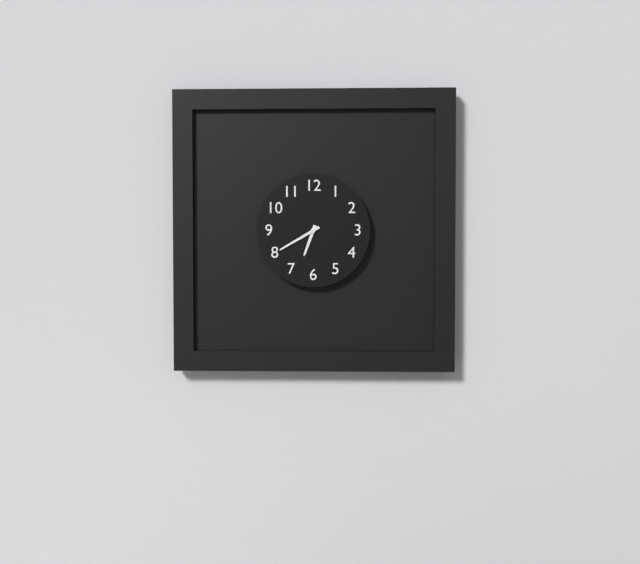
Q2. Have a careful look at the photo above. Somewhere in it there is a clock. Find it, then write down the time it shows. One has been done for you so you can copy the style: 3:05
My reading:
6:40
